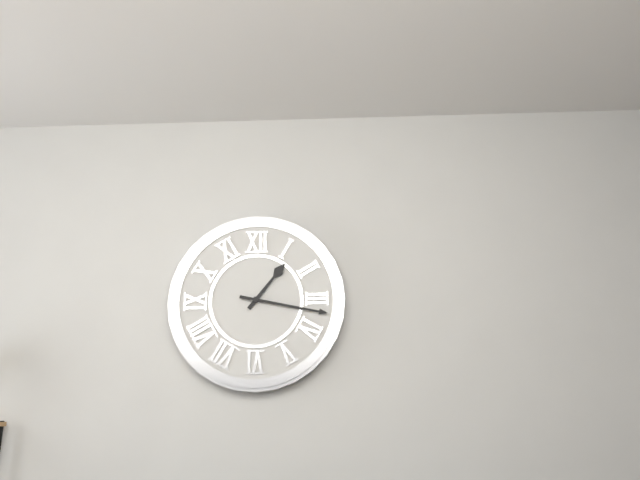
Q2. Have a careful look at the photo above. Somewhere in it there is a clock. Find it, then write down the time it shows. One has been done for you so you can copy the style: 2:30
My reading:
1:17
